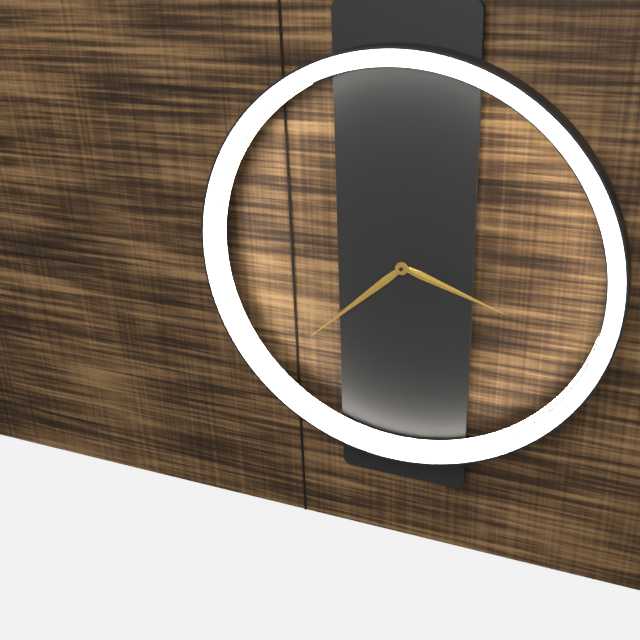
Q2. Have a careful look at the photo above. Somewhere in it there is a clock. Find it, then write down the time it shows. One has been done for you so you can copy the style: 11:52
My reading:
3:38
